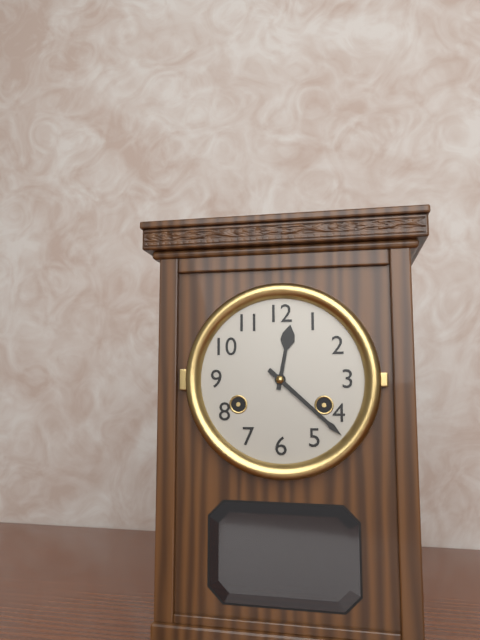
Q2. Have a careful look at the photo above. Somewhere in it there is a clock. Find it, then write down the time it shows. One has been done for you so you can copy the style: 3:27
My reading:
12:22
